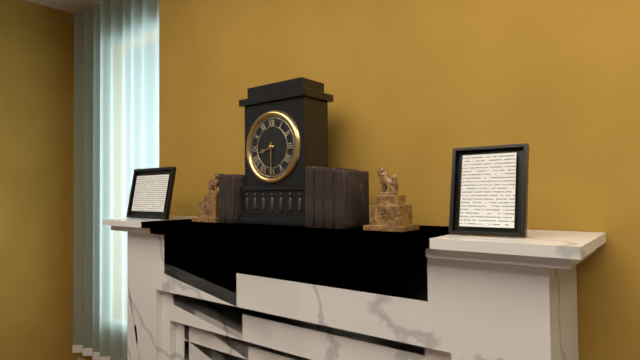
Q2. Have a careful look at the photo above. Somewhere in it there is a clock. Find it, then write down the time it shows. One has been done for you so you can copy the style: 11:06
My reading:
8:30
